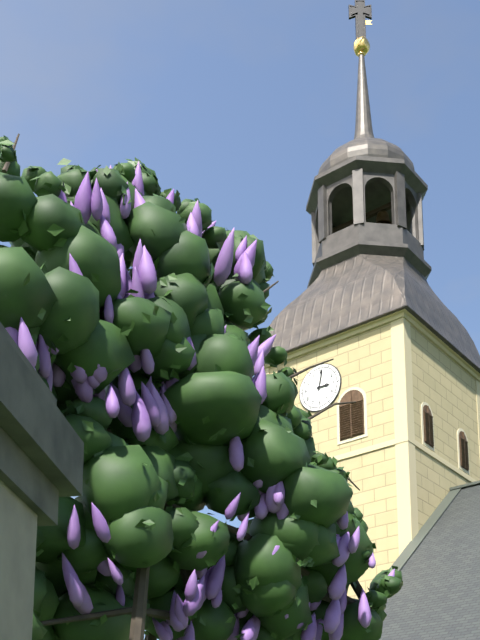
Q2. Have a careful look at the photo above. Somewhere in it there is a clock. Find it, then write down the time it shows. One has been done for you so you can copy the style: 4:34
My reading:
3:02
